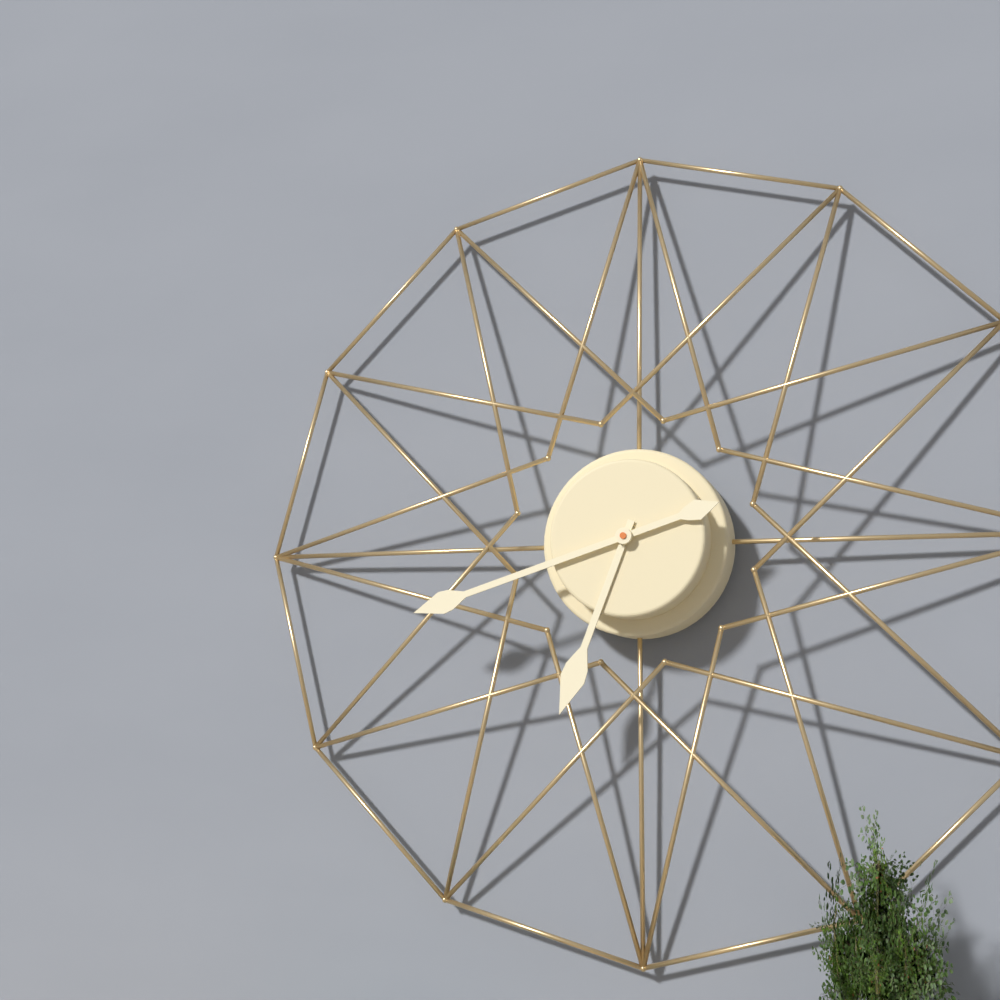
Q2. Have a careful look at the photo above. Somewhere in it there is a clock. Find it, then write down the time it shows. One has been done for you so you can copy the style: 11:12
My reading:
6:42
